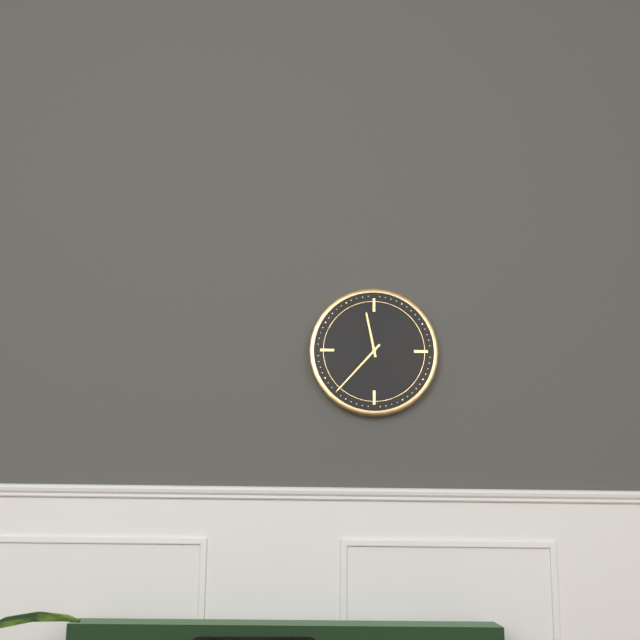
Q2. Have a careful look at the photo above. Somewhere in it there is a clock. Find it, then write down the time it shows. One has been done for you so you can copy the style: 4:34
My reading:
11:37
